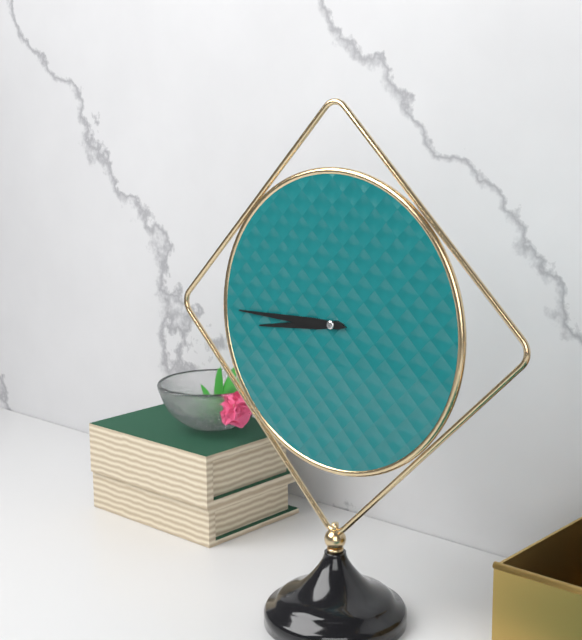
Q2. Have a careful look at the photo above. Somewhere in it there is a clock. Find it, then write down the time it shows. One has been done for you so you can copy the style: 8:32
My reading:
8:45
